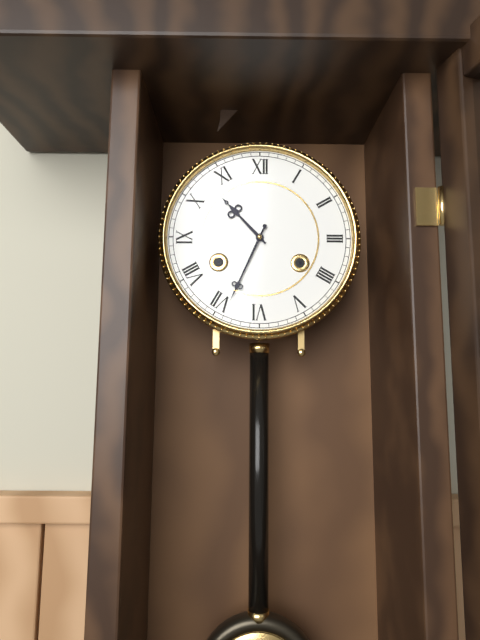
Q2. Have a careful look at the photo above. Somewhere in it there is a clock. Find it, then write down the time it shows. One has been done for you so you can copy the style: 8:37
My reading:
10:34
